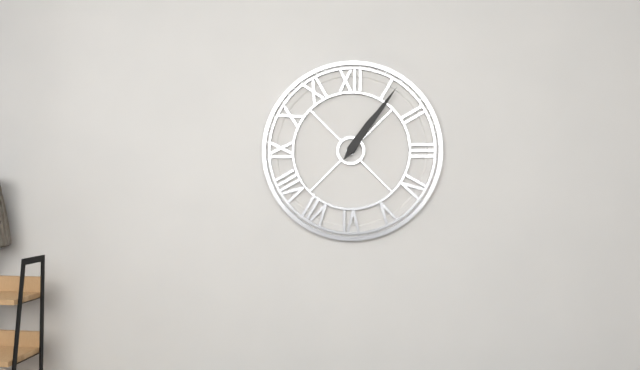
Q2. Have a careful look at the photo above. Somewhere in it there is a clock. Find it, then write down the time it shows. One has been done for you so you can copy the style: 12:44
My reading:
1:06
